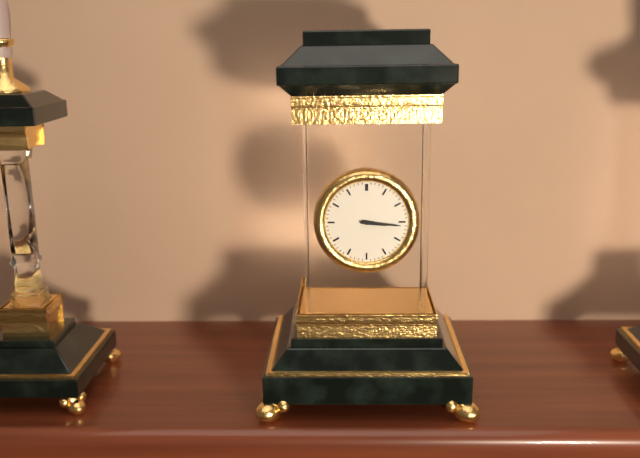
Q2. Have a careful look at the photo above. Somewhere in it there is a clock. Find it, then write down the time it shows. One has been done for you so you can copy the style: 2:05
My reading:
3:16
